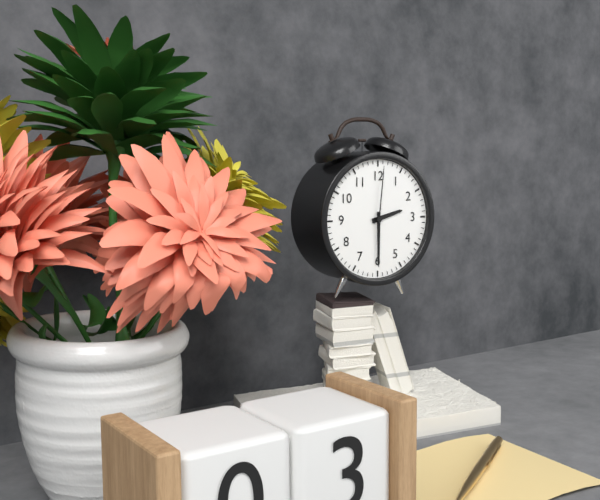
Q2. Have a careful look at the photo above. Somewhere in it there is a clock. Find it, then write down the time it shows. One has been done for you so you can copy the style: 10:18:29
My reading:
2:30:01
